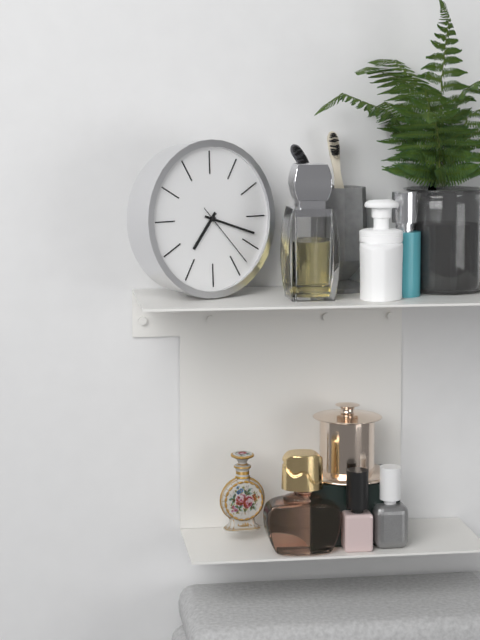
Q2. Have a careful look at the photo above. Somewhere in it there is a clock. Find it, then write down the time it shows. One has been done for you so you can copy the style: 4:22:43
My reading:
7:18:23
